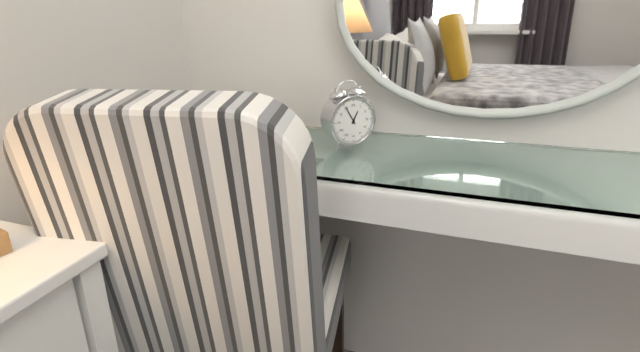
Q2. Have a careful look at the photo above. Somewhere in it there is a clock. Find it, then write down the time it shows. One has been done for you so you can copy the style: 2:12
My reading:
12:55
